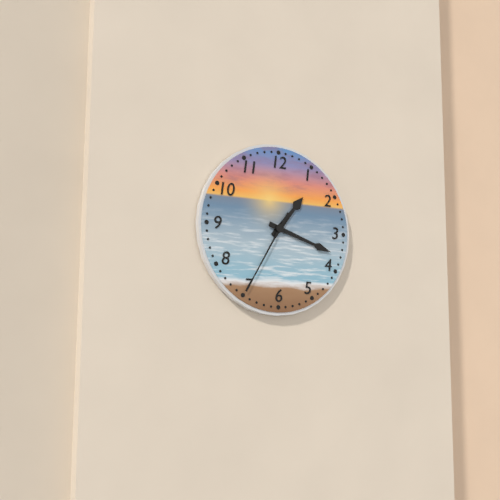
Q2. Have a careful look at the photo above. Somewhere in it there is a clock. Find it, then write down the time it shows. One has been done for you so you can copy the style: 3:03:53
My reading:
1:18:35
